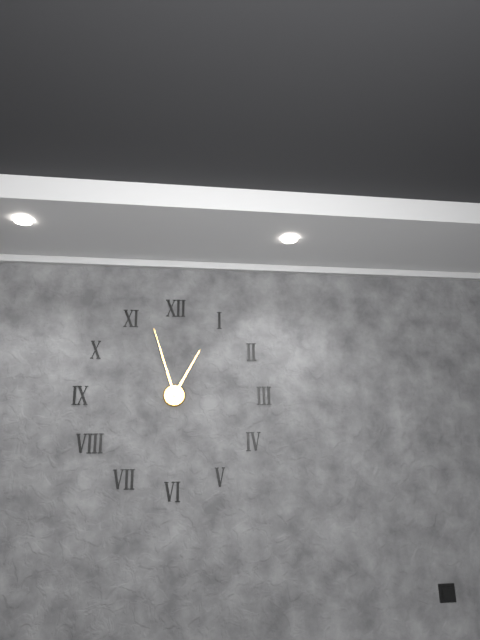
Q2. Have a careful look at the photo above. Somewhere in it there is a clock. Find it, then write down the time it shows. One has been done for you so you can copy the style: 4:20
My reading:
12:57
